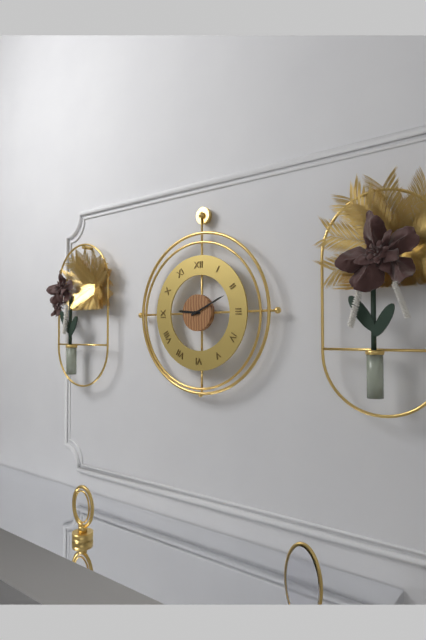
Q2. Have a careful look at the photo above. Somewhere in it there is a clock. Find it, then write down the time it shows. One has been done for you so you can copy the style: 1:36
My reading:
9:11
